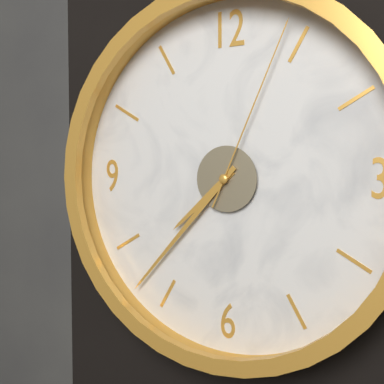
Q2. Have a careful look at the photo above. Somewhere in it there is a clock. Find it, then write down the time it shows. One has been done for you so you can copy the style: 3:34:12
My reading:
7:37:04
